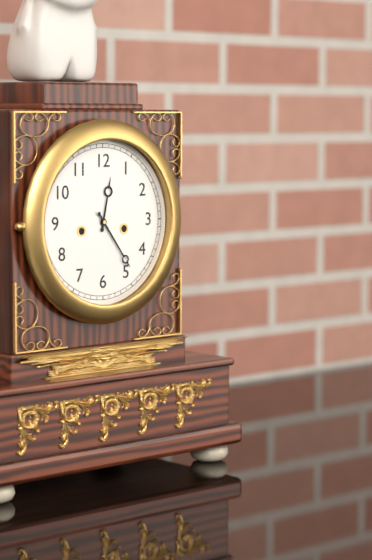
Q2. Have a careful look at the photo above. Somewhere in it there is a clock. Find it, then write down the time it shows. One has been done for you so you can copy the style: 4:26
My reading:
12:24
